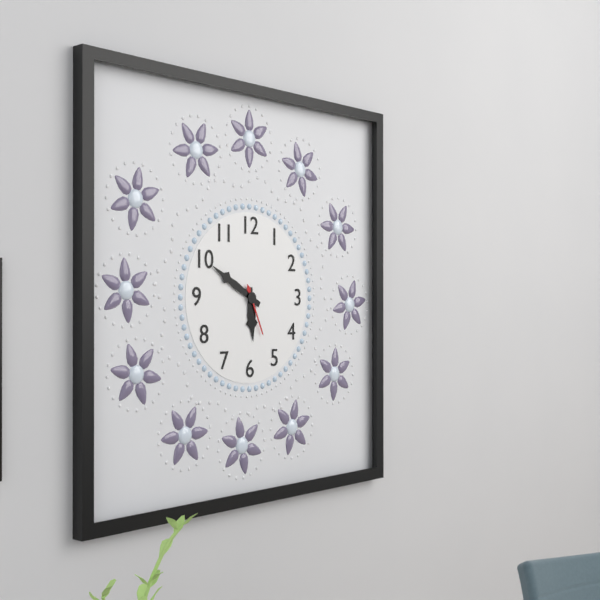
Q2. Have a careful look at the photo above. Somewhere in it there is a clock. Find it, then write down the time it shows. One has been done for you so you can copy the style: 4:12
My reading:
5:50
